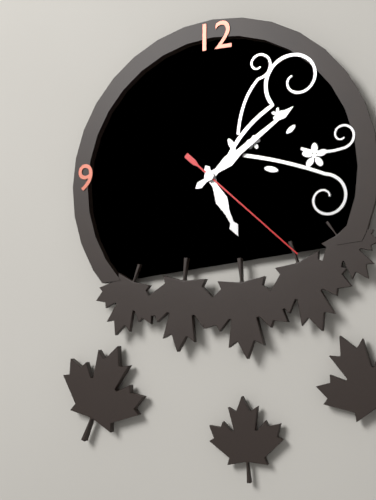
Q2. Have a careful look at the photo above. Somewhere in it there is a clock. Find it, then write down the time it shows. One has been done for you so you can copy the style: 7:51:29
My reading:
5:09:22
